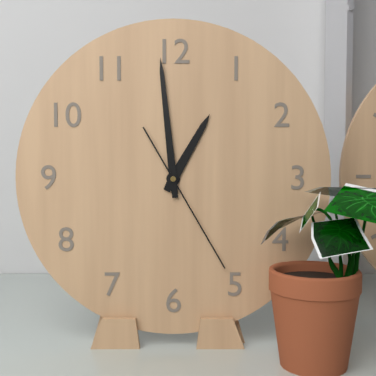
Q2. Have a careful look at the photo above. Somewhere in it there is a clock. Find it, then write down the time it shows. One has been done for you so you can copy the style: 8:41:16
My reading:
12:59:25
